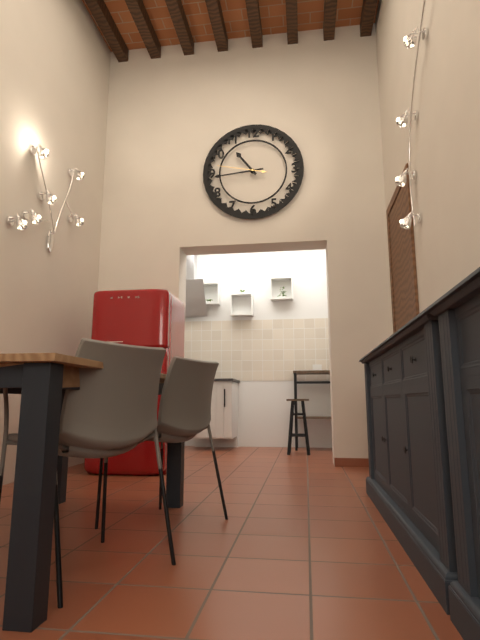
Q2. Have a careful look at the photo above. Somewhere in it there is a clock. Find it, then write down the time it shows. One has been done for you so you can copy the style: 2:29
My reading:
10:44
